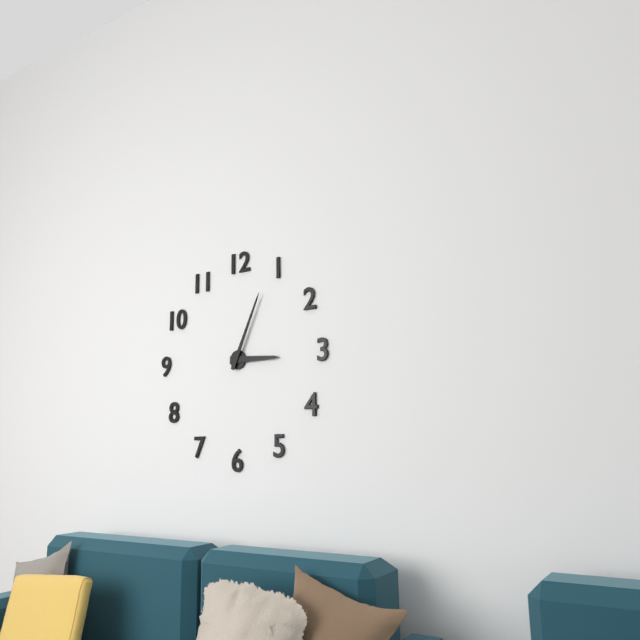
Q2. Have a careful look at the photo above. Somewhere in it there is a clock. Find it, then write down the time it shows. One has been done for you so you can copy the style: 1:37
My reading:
3:04
